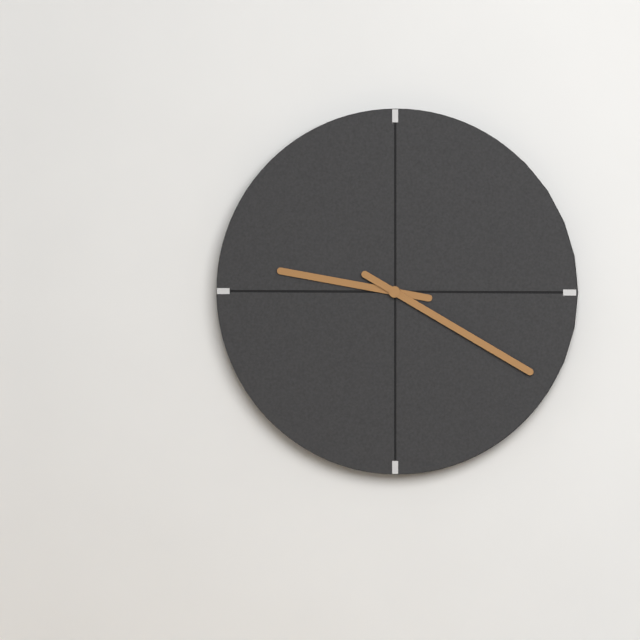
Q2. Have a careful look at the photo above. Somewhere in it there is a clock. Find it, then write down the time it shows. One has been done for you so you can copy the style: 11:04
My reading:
9:20
